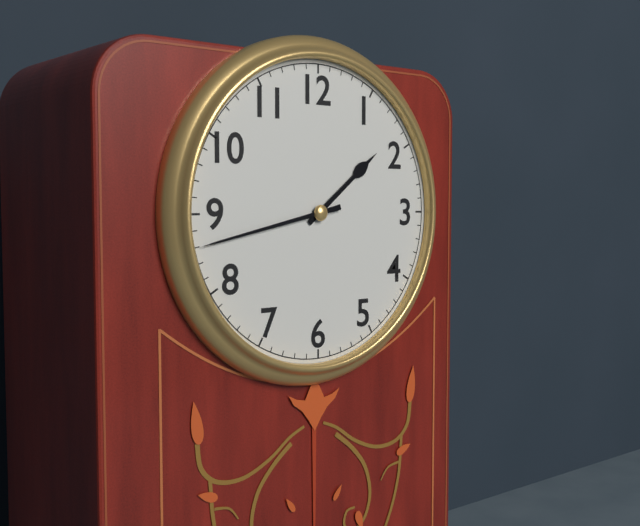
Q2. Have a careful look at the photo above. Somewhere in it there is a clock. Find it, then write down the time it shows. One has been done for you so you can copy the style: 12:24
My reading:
1:43
